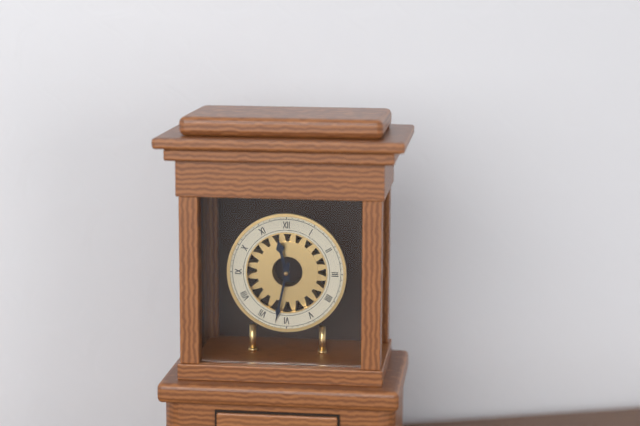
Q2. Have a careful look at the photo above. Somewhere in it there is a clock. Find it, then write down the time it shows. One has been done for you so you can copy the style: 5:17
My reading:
11:32
